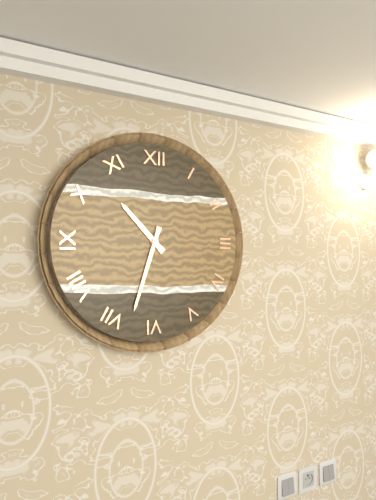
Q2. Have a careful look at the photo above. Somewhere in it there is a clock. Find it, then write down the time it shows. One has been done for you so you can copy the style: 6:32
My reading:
10:33
